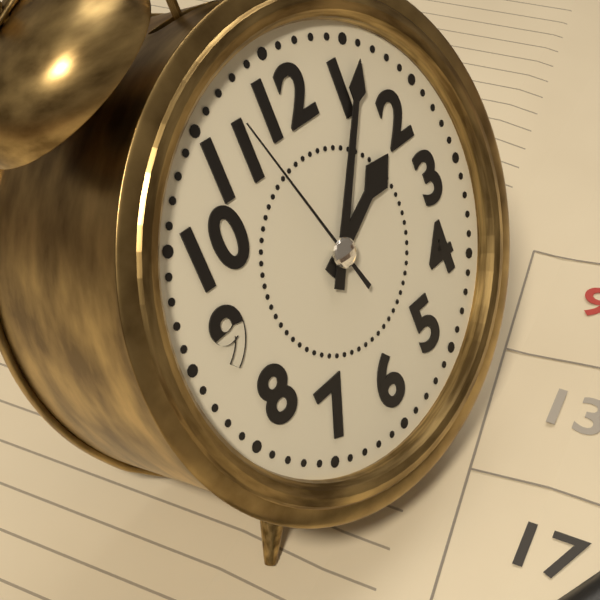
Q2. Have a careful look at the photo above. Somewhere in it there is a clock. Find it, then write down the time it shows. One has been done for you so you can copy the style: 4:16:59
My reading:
2:06:57
